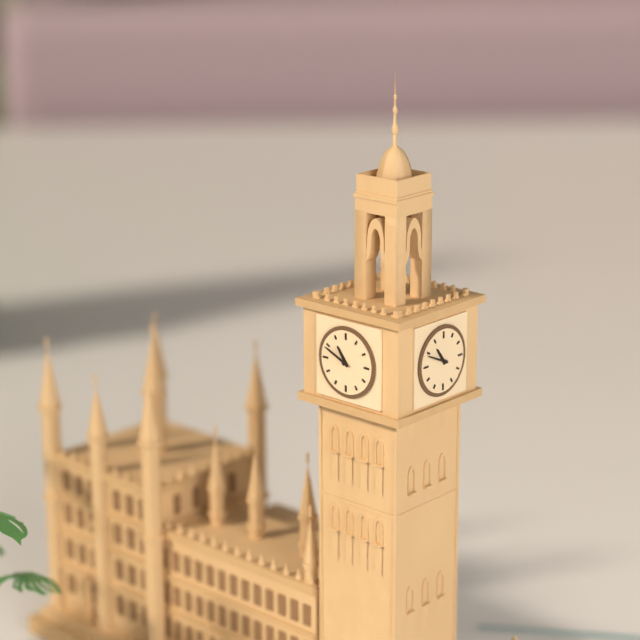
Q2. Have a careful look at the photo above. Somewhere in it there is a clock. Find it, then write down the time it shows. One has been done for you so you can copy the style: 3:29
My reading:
10:49
